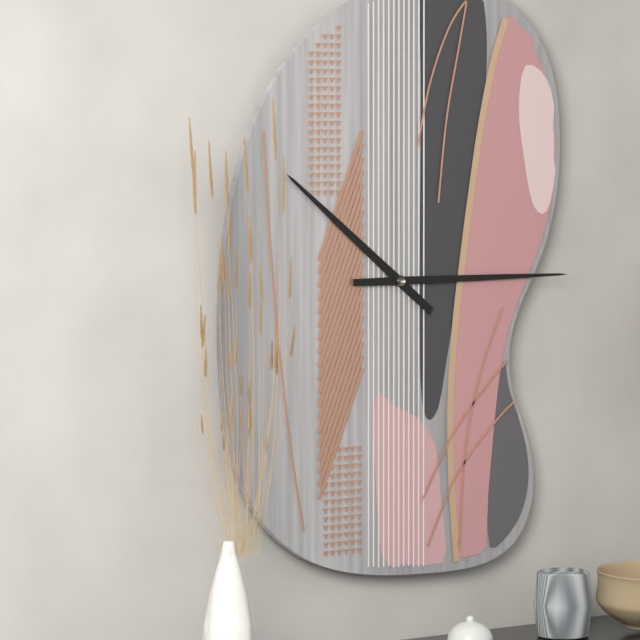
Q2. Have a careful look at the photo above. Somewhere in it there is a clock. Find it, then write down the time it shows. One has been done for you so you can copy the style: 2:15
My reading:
10:15
